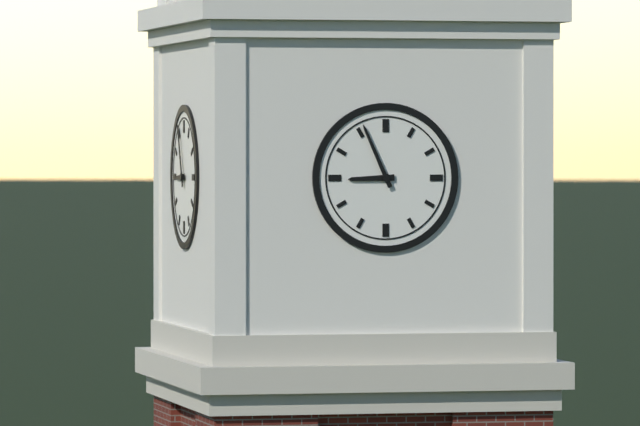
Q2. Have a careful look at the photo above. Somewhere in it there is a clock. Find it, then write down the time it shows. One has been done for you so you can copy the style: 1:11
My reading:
8:56
